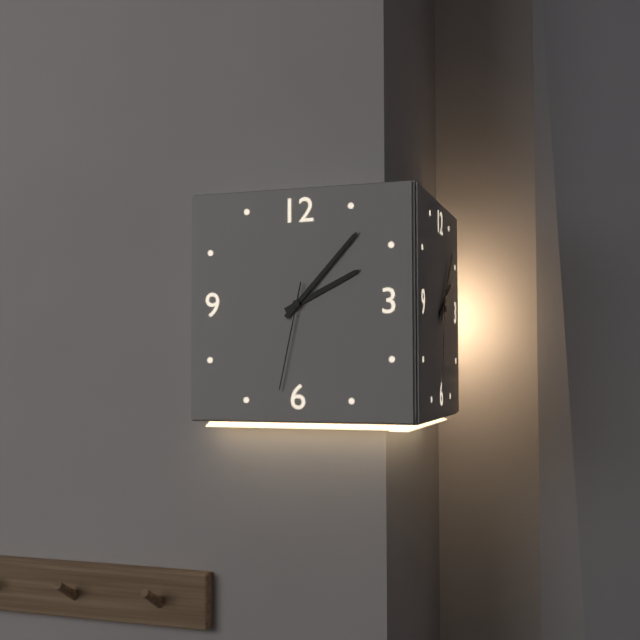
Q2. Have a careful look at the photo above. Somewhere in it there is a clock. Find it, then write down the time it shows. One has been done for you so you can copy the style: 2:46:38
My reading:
2:07:32
